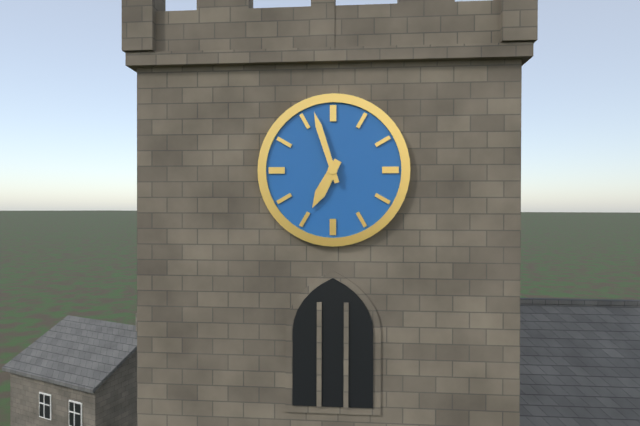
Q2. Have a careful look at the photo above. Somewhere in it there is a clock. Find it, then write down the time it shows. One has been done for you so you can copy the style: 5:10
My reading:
6:57
